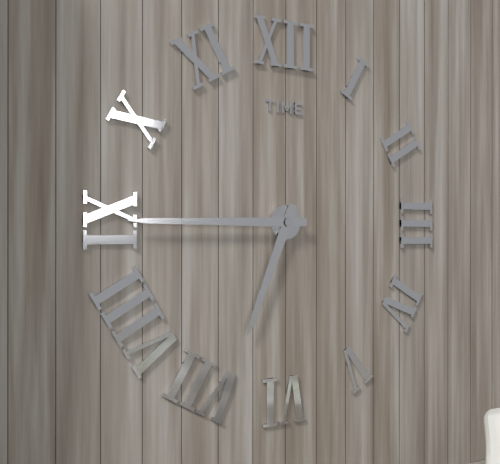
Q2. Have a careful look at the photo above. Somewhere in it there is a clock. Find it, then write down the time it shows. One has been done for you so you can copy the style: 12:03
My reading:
6:45
